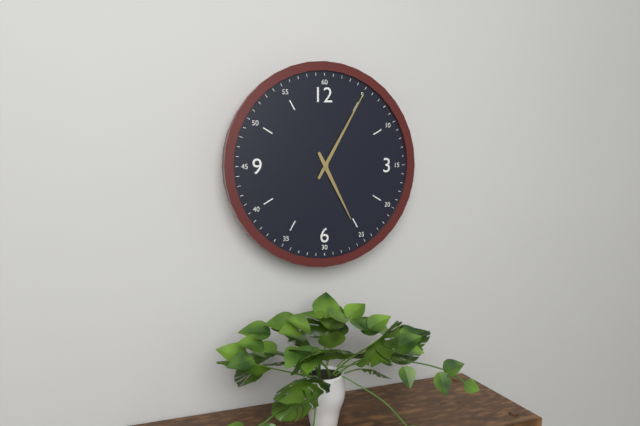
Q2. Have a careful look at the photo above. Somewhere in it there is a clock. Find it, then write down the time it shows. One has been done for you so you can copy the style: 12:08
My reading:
5:05
